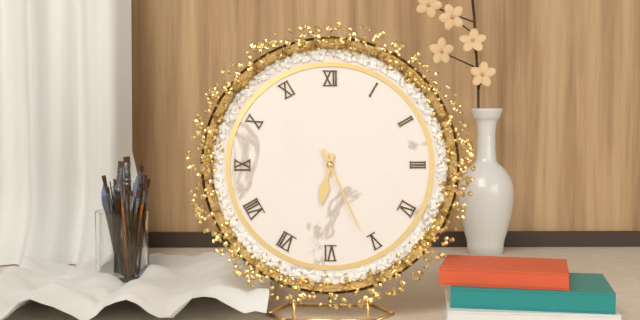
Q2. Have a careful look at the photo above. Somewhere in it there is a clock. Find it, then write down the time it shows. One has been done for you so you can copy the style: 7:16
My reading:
6:26
